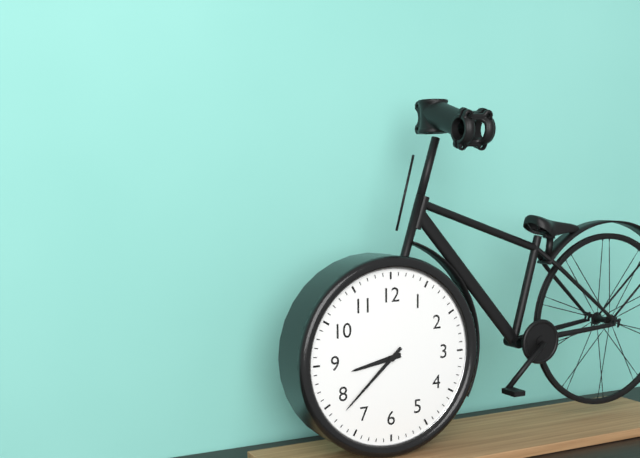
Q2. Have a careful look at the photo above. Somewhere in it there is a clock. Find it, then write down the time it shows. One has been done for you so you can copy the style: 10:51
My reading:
8:38
